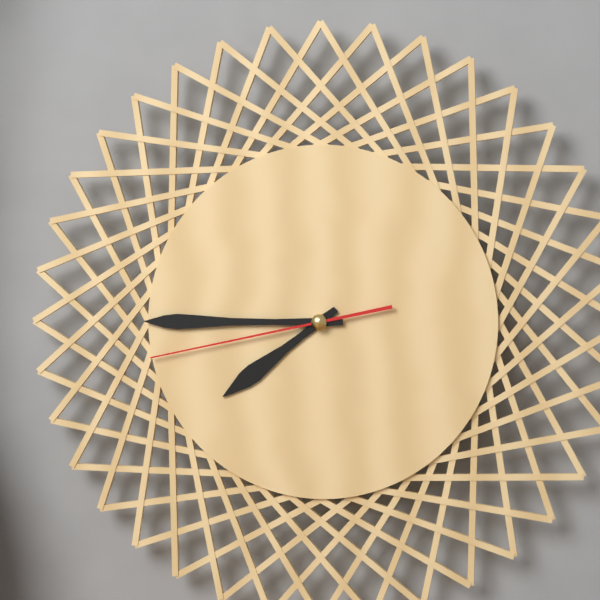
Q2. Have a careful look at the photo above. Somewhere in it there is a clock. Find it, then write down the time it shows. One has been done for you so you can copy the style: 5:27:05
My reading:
7:45:43
